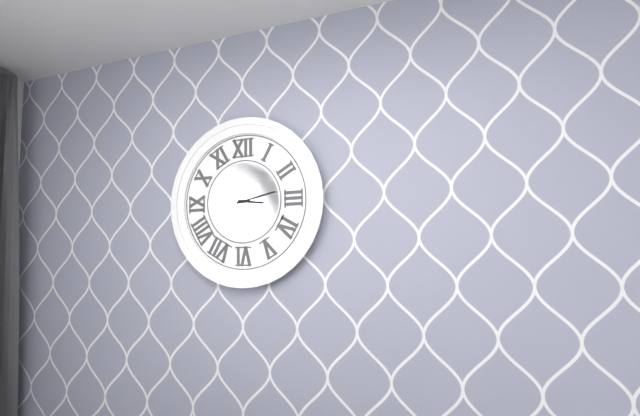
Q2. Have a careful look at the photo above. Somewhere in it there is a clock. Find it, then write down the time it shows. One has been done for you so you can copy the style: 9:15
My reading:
3:13
